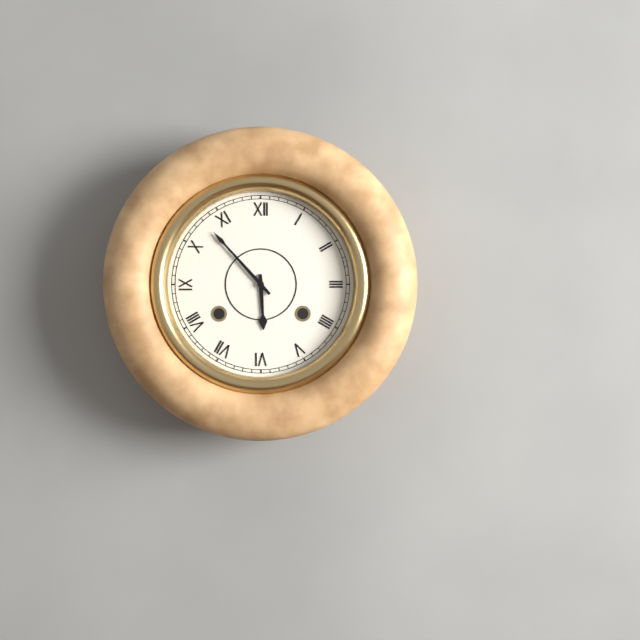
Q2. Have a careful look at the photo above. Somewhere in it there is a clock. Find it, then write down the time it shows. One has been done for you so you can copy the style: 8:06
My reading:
5:53
